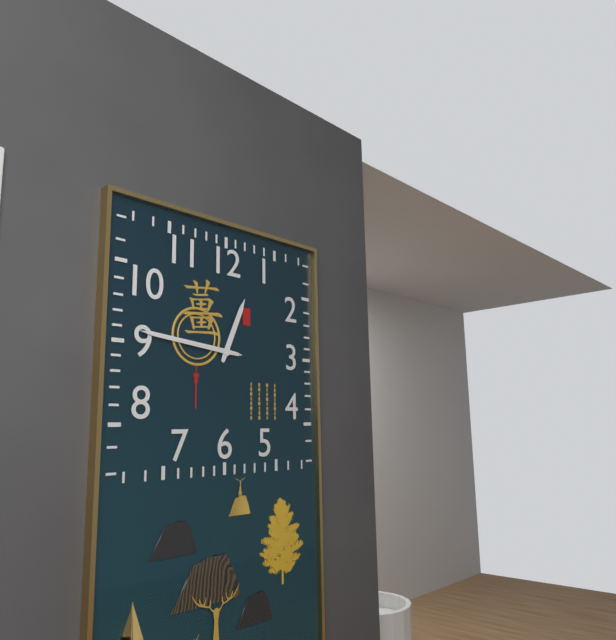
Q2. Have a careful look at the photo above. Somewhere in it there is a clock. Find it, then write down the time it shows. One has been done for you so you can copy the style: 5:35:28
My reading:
12:46:46
